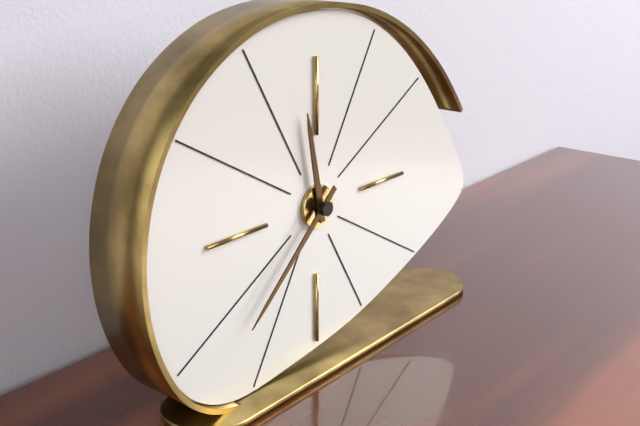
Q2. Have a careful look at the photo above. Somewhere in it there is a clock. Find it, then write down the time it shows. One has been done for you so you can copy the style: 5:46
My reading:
11:38
